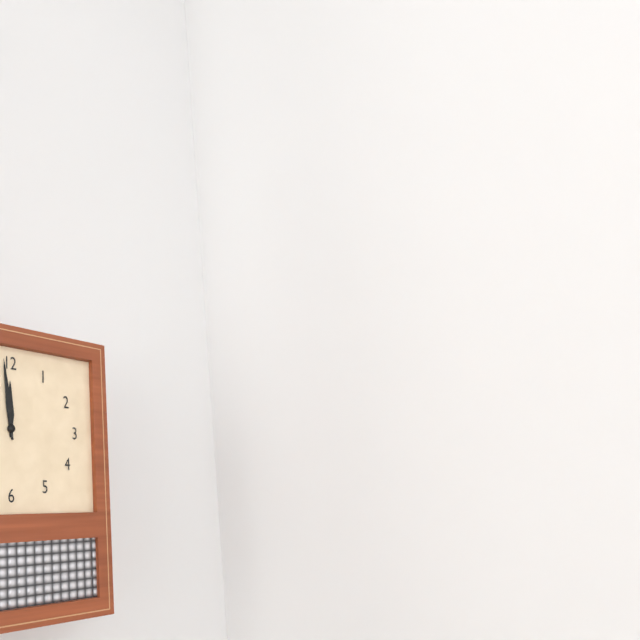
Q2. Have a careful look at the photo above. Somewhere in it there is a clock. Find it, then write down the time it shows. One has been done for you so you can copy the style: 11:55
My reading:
11:59
